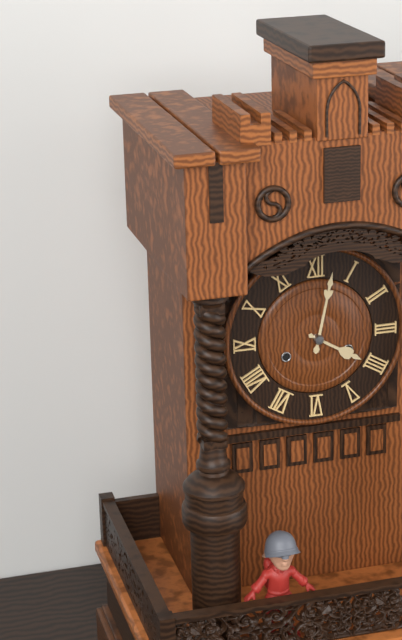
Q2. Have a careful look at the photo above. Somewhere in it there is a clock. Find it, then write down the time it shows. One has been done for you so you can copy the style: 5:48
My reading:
4:02
